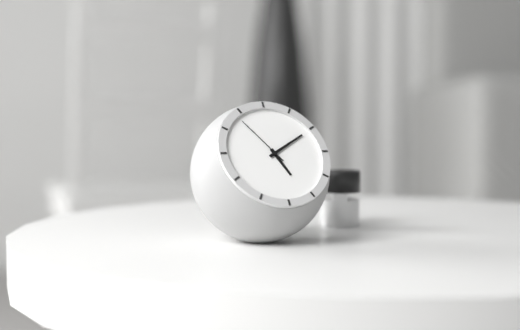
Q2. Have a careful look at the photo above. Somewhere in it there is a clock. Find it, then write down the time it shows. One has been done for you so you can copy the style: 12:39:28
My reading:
5:10:54
